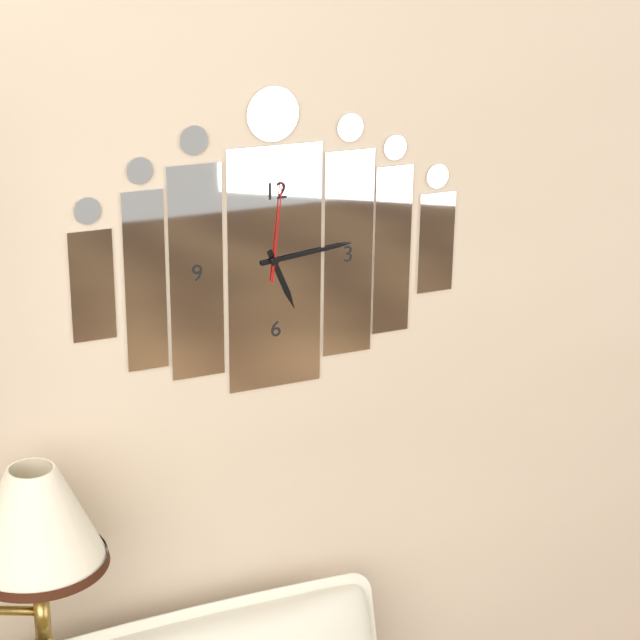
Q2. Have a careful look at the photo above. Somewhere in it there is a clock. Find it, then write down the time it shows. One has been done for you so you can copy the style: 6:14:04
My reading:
5:14:01
